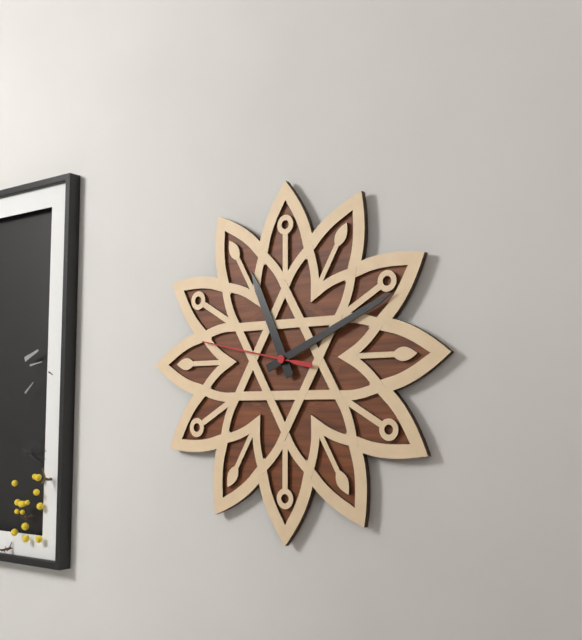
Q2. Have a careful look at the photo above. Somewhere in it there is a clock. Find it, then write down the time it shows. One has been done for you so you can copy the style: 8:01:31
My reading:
11:11:47
